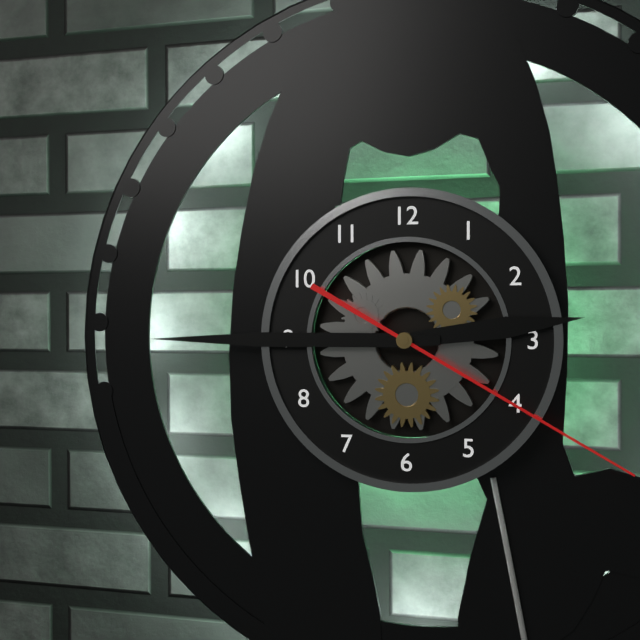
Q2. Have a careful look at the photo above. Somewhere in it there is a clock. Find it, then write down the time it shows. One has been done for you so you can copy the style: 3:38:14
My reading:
2:45:20
